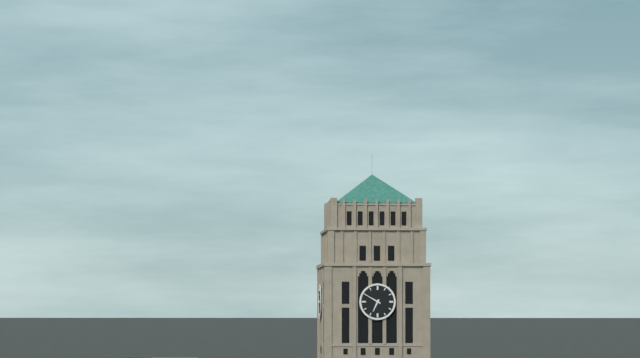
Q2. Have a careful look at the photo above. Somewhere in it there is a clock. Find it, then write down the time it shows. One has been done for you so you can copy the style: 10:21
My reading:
6:50
